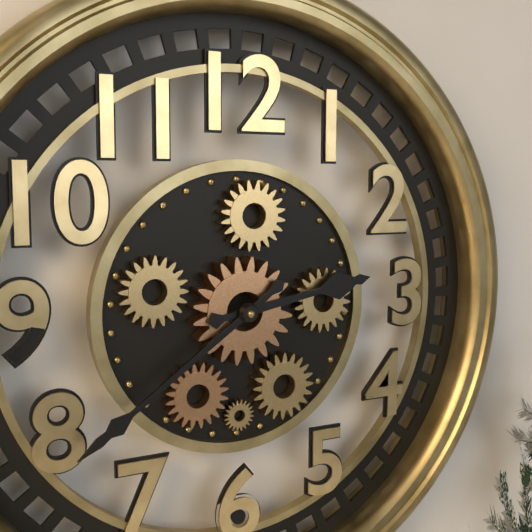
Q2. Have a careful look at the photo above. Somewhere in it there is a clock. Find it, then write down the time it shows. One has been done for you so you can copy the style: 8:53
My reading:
2:39
